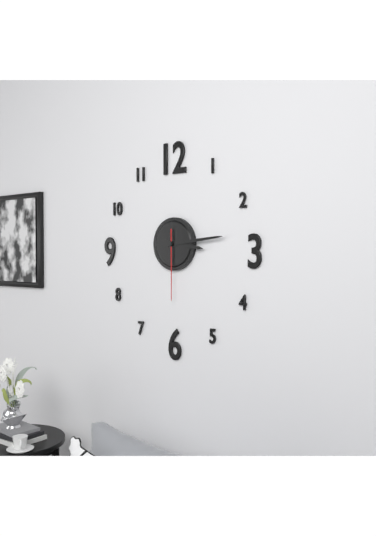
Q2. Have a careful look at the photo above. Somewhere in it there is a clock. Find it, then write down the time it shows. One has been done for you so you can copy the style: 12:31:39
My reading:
3:14:30
